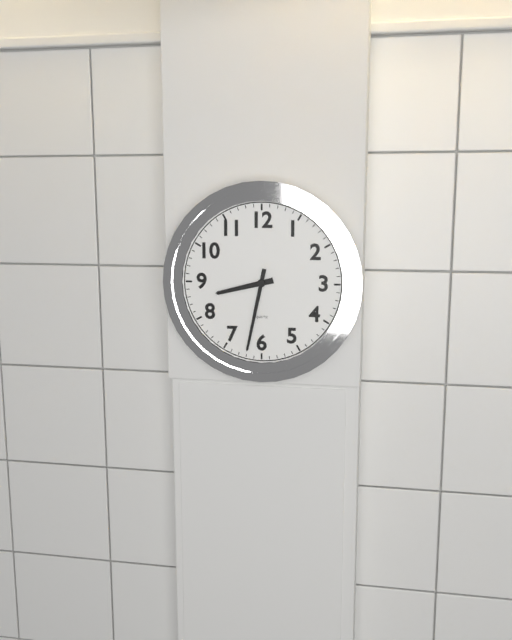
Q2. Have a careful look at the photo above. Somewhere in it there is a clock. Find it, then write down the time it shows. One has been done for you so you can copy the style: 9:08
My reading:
8:32
